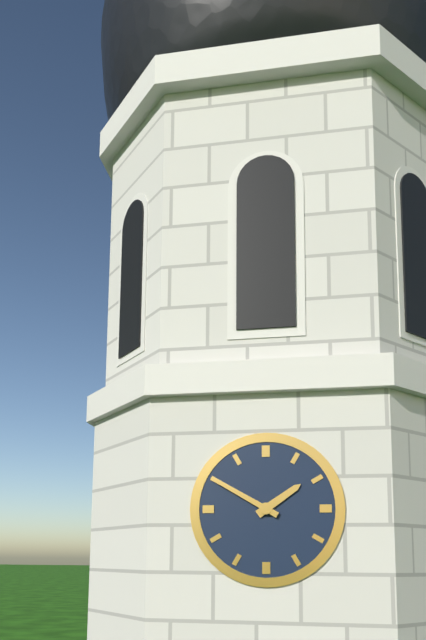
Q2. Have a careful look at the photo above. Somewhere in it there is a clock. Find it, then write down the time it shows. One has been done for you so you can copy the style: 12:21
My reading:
1:50
